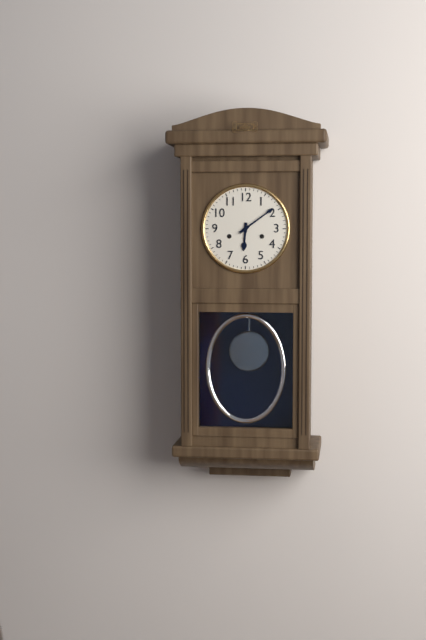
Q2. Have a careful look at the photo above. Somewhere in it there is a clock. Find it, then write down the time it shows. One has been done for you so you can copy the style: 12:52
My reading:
6:09
